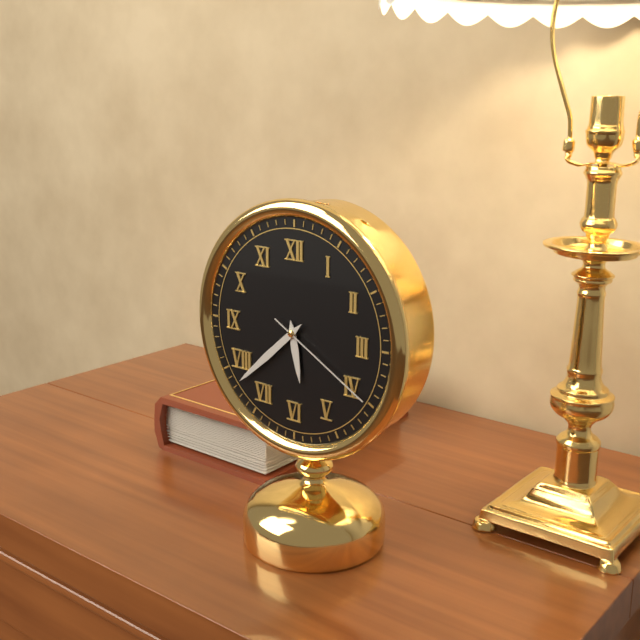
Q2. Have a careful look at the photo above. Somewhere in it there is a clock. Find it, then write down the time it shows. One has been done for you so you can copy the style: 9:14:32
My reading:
5:38:20
